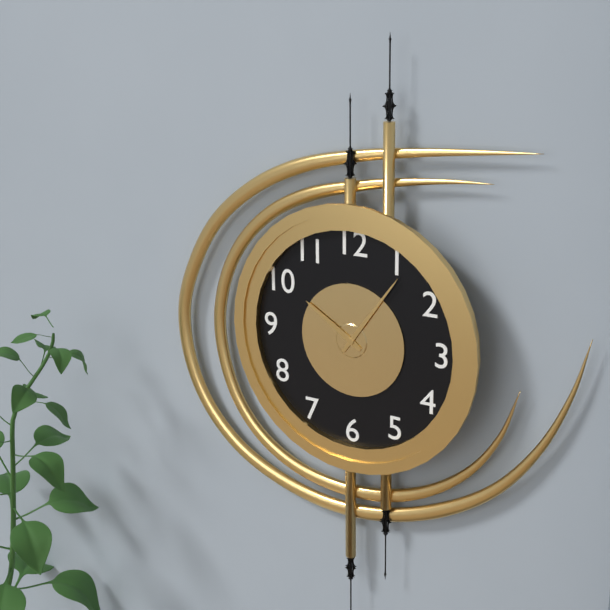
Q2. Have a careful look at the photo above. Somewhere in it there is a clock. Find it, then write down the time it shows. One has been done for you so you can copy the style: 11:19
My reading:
10:06
